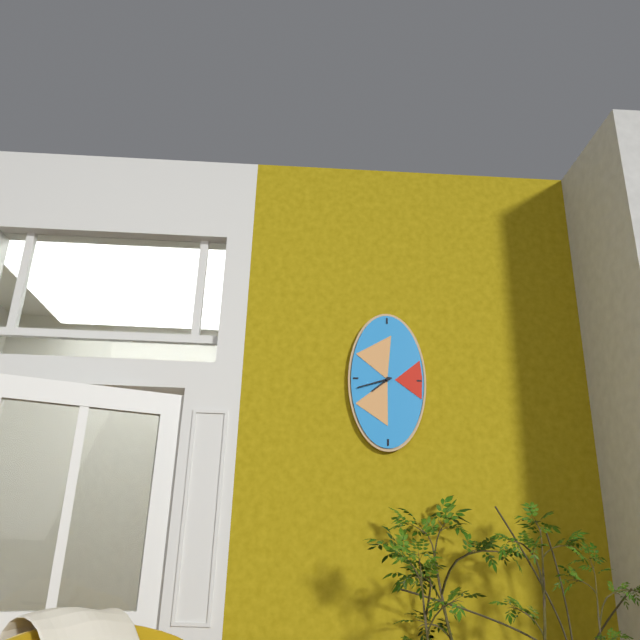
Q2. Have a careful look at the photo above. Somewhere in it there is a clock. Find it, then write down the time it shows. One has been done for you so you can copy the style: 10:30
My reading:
7:42
